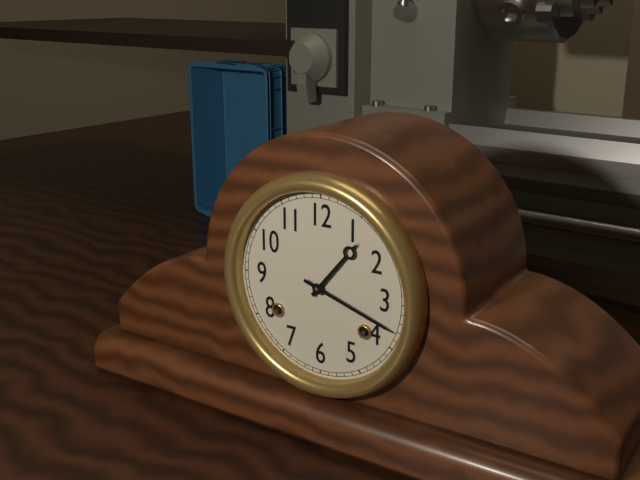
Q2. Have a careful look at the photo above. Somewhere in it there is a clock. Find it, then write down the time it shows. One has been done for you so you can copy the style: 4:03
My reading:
1:18
